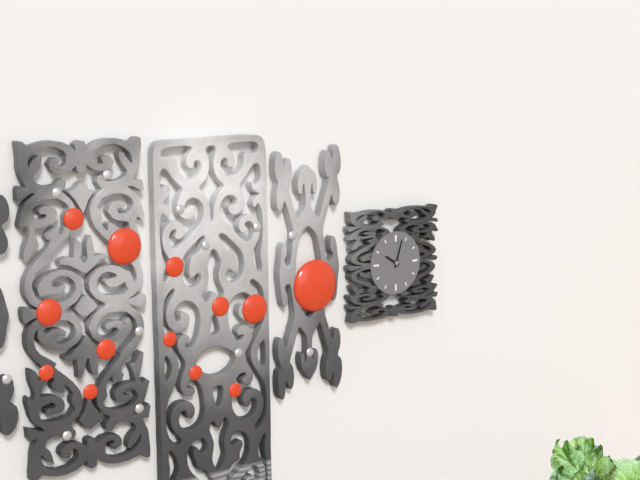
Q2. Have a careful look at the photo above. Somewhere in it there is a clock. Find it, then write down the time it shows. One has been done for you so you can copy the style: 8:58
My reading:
10:03
